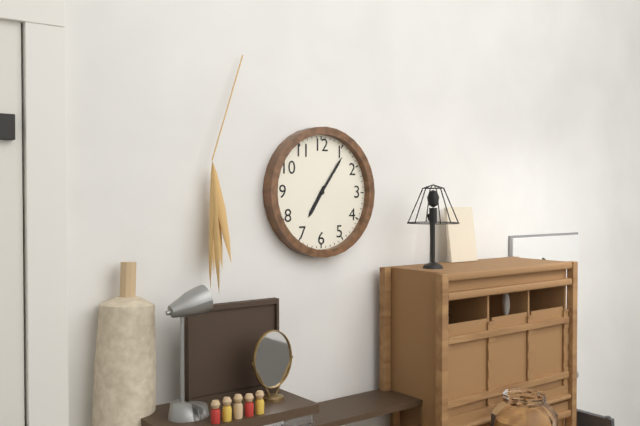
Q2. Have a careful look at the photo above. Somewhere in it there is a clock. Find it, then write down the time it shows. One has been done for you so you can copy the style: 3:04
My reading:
7:06
